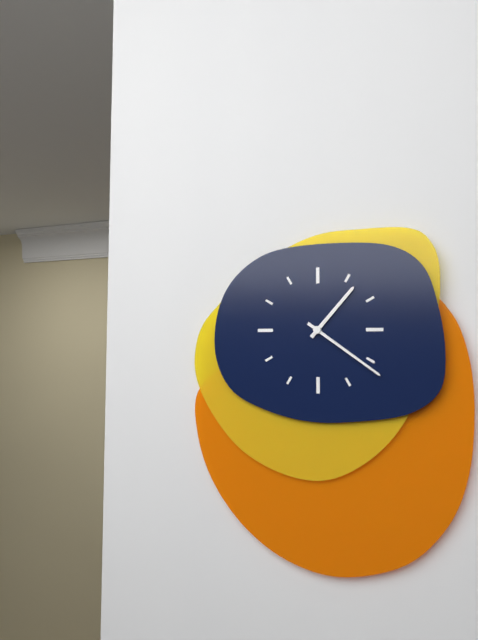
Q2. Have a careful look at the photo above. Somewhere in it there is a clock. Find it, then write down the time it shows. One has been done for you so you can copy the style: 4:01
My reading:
1:21
